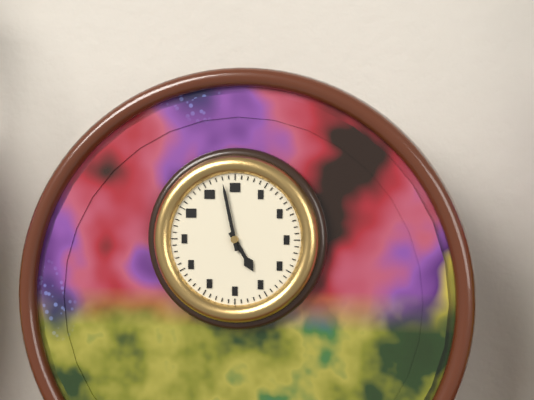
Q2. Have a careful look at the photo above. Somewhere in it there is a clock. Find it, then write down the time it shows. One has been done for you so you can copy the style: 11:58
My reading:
4:58
